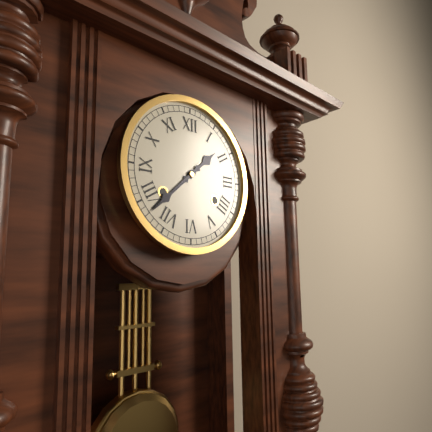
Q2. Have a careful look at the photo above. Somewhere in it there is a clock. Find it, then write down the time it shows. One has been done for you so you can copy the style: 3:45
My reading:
1:38
